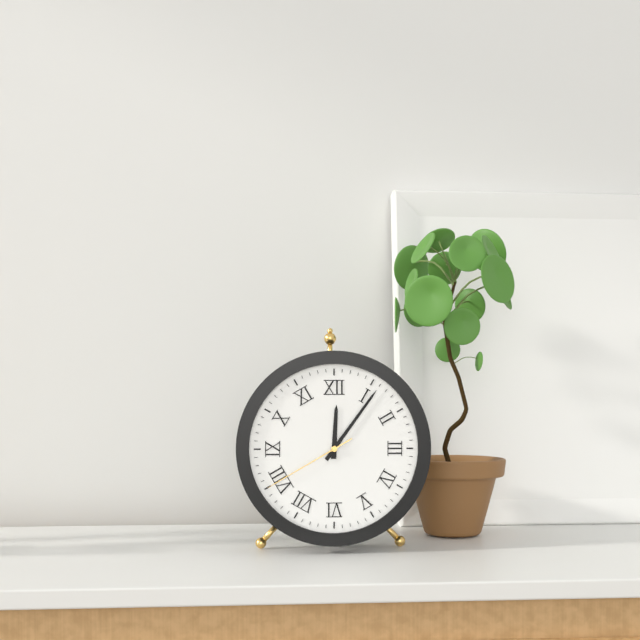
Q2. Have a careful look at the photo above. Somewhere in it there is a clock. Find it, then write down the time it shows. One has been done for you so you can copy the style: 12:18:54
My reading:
12:06:40
